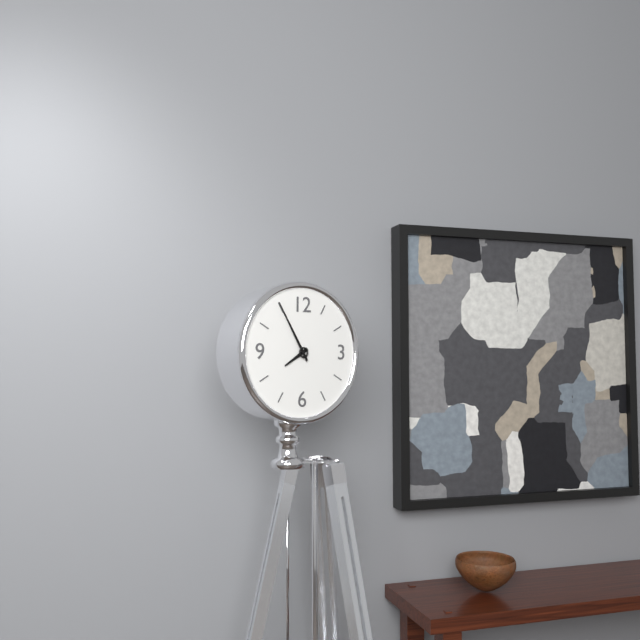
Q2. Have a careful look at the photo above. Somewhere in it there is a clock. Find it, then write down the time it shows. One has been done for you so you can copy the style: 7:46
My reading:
7:55
